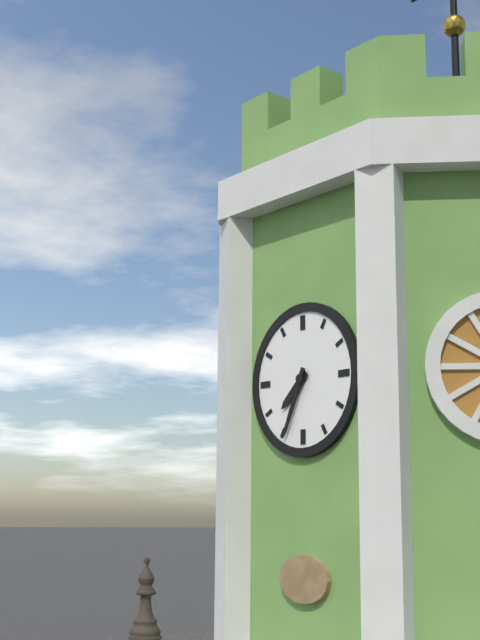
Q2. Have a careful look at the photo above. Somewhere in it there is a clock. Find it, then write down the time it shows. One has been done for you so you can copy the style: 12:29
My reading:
7:34
